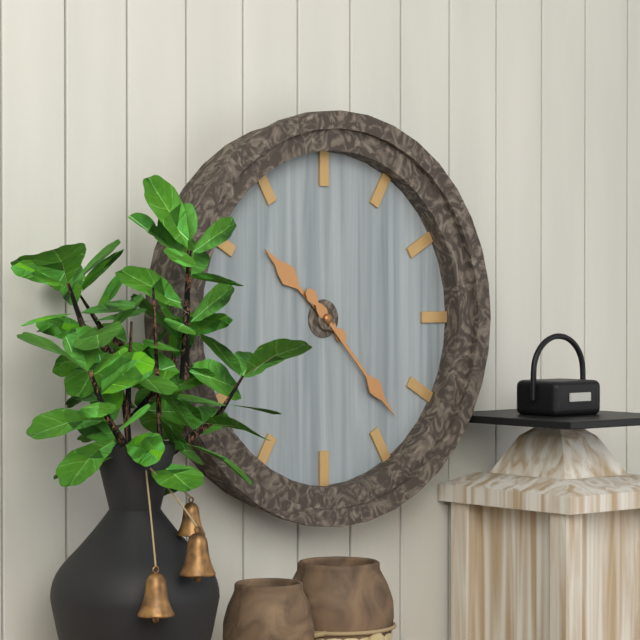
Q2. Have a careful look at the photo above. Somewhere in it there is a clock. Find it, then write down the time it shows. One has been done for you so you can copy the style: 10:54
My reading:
10:23
